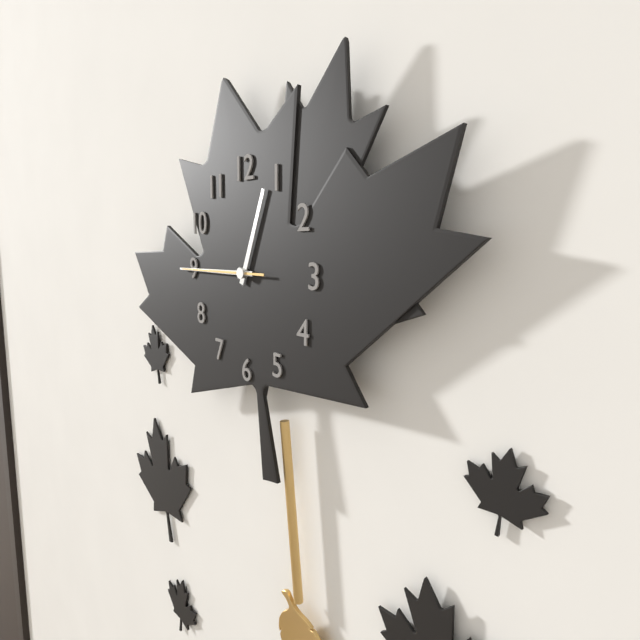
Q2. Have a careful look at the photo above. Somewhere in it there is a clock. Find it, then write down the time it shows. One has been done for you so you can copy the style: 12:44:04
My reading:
12:45:45
